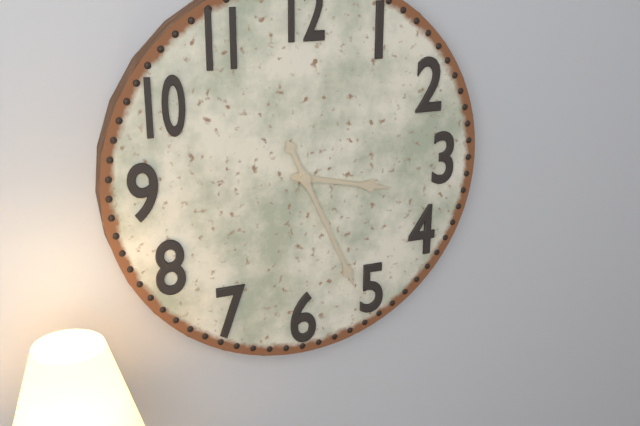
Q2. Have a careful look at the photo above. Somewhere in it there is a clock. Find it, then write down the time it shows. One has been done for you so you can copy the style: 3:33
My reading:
3:26
